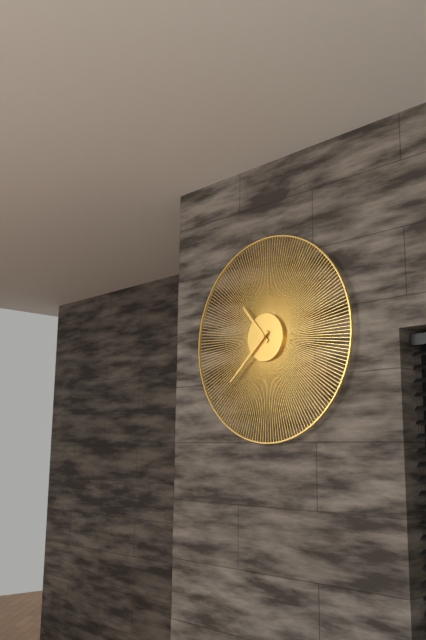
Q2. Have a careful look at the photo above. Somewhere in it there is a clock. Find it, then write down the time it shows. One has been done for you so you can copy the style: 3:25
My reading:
10:38
